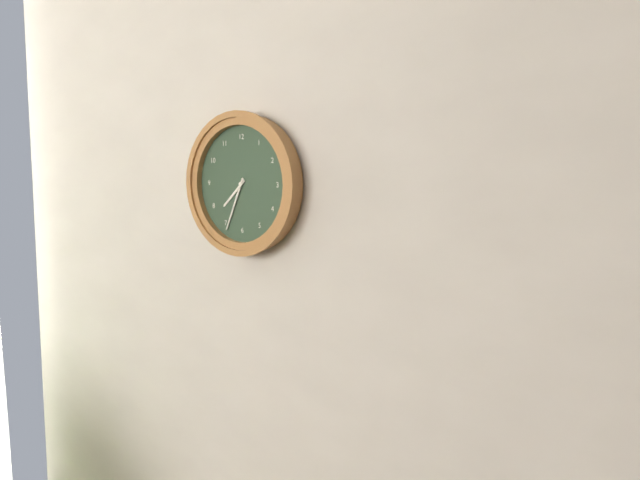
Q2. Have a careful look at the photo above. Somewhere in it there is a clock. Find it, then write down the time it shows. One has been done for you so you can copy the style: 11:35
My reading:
7:34
